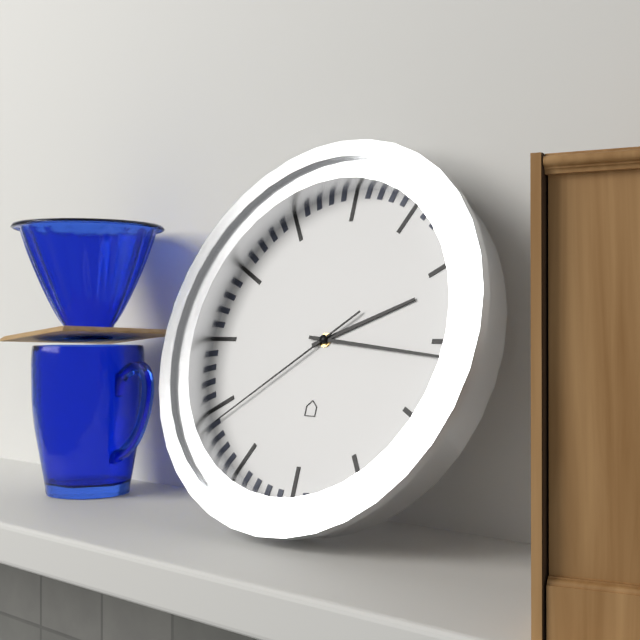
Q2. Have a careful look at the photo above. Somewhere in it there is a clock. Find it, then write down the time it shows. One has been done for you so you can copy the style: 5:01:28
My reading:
2:16:39
